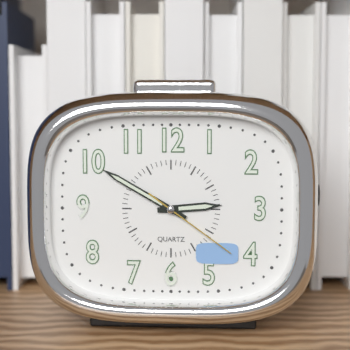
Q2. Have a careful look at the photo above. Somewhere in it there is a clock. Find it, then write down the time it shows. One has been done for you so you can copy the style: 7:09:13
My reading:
2:50:21
